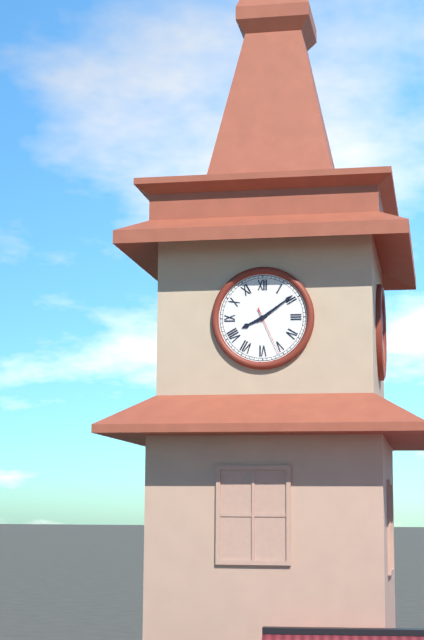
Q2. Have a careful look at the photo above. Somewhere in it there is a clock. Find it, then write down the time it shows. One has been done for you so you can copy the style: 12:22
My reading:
8:09
